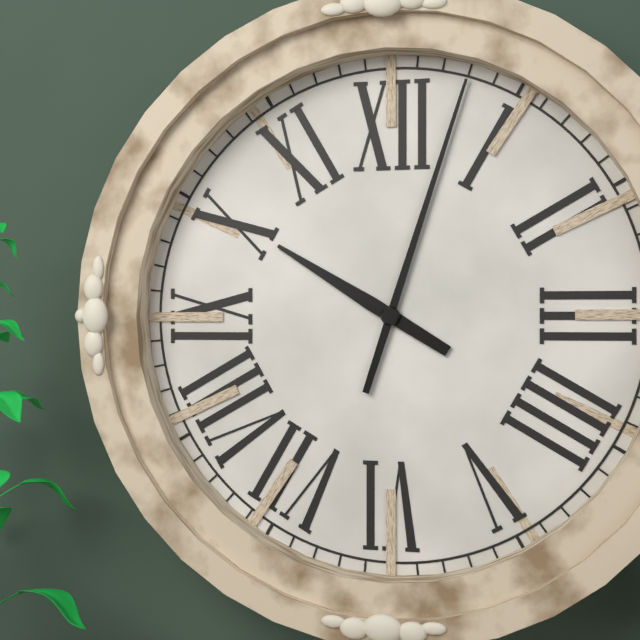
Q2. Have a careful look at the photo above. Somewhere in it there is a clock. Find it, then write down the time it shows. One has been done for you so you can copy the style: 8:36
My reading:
10:03
